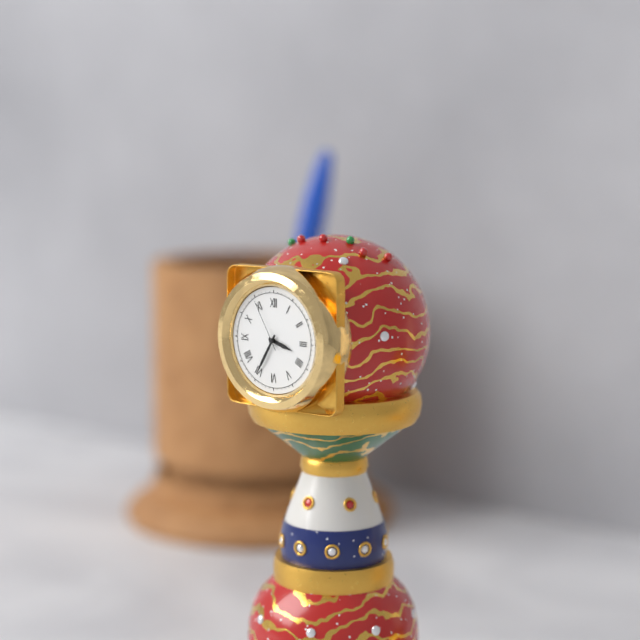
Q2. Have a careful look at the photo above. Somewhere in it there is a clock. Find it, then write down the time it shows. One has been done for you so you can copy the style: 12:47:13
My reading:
3:35:55
